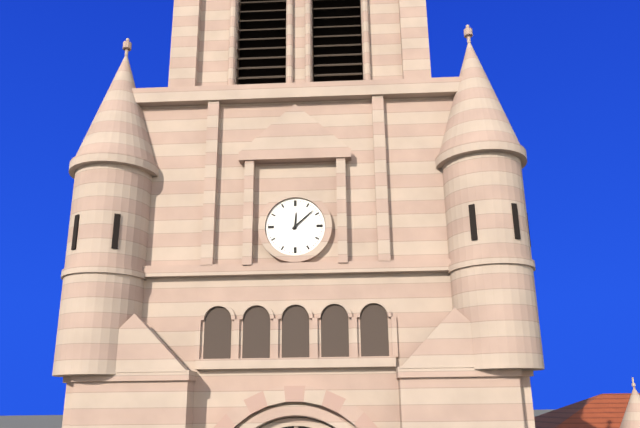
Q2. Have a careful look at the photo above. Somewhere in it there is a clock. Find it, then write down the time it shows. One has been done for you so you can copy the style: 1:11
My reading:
12:08
